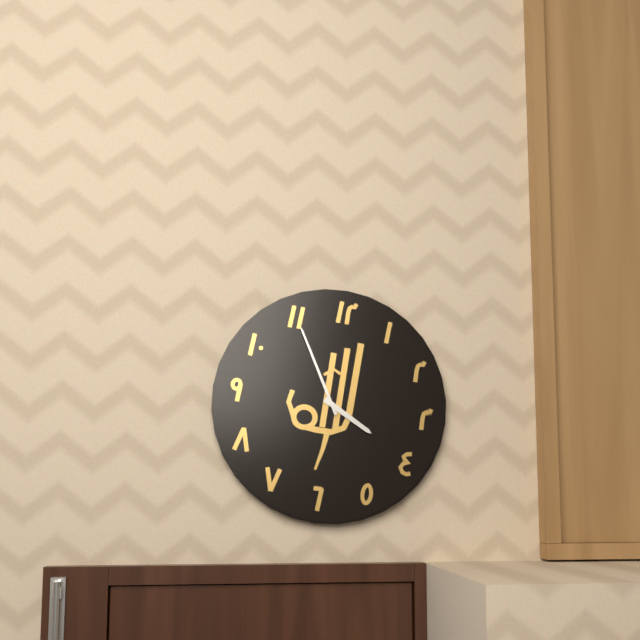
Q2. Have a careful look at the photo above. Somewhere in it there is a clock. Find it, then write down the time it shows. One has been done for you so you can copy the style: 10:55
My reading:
3:55
